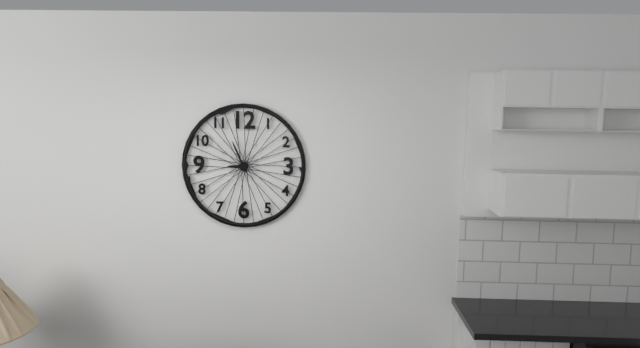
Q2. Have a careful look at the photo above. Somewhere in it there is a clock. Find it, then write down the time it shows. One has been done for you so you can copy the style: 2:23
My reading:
8:56
